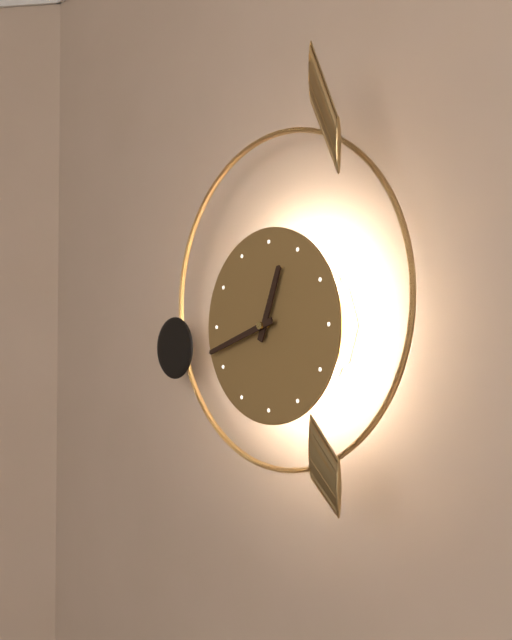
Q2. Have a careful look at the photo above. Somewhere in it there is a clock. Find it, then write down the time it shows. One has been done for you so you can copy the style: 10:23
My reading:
12:42
